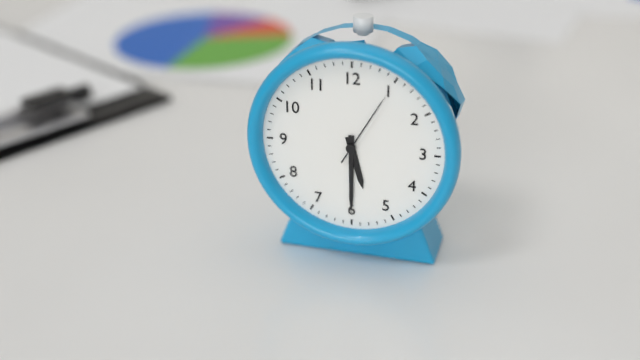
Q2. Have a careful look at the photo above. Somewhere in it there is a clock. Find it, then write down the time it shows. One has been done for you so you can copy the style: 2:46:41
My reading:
5:30:05
